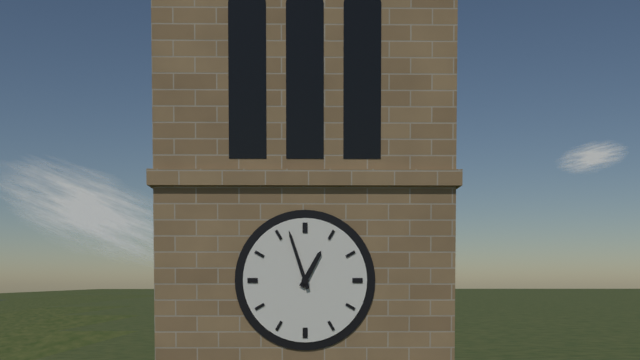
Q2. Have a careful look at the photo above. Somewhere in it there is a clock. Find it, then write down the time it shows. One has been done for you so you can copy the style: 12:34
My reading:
12:57
